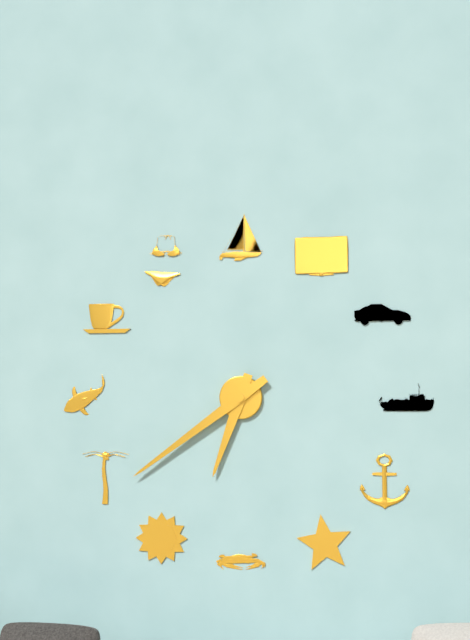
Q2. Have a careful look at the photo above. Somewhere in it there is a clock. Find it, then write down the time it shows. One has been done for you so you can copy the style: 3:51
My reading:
6:39
